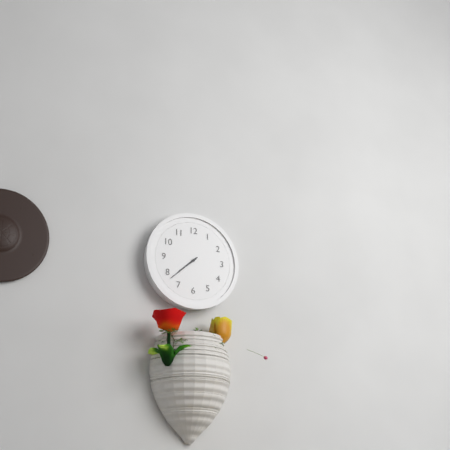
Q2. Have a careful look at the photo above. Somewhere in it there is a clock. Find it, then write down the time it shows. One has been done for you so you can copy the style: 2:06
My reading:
7:38
